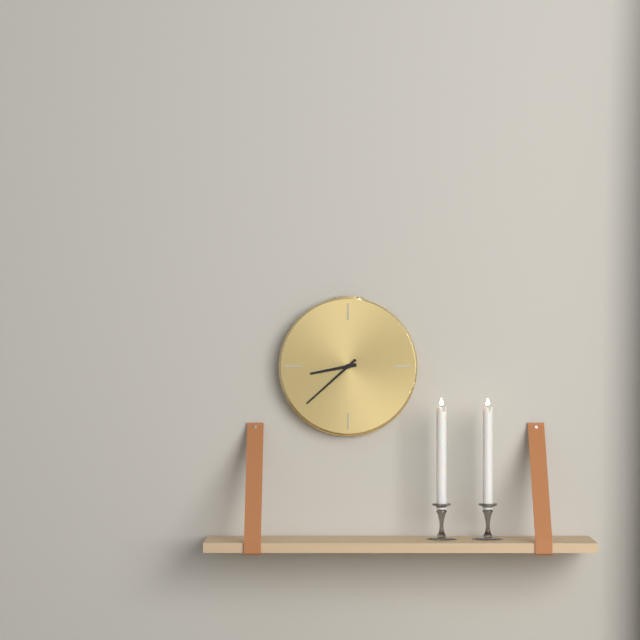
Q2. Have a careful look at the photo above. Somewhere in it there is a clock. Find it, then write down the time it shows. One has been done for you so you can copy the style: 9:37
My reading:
8:38
